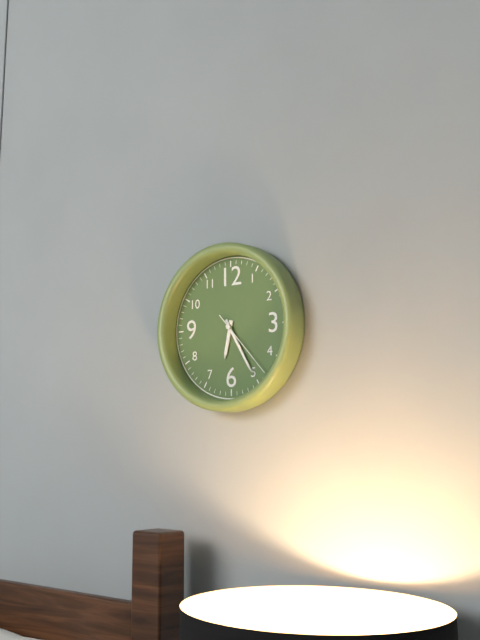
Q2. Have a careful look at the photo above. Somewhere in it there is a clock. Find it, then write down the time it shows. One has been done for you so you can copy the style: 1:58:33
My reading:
6:25:23
